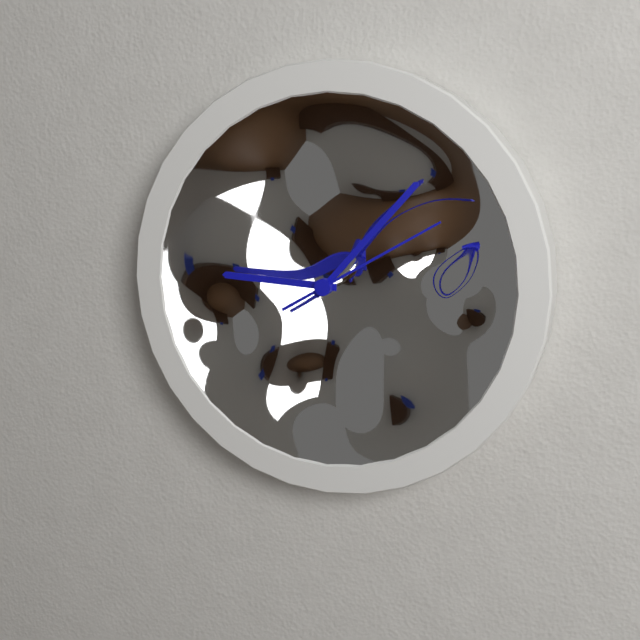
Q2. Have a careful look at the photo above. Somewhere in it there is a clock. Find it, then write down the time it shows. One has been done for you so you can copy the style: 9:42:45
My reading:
9:07:10
